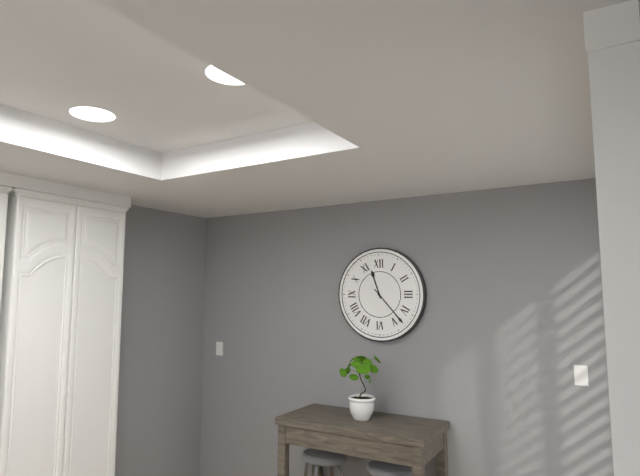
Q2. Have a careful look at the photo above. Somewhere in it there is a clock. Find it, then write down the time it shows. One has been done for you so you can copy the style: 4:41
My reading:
11:23
